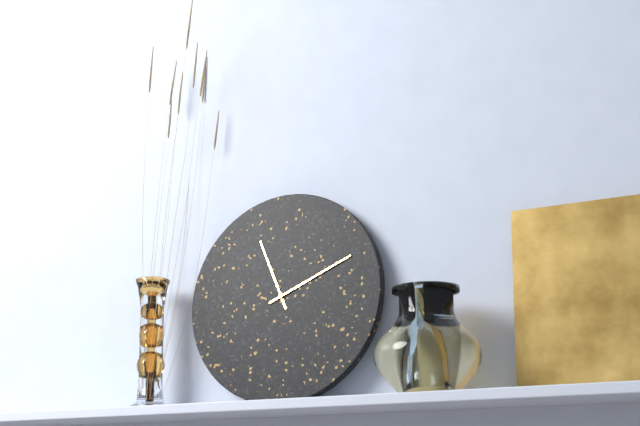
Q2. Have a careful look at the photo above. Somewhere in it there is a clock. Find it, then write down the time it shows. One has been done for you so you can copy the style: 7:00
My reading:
11:11
